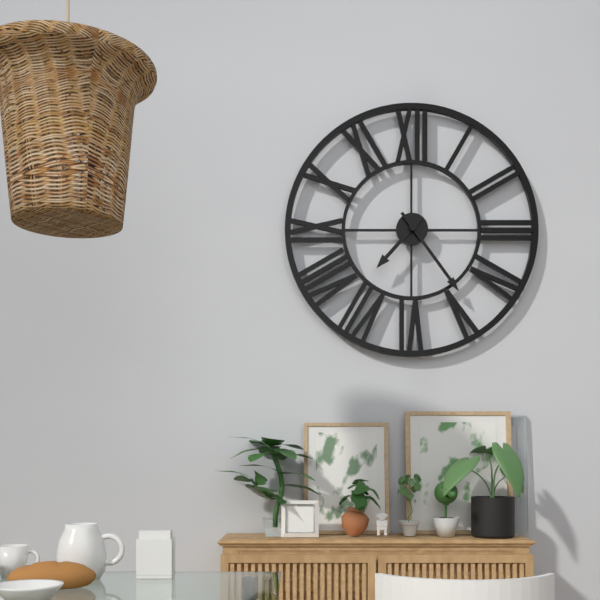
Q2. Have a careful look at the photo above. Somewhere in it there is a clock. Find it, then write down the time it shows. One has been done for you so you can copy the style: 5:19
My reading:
7:24
